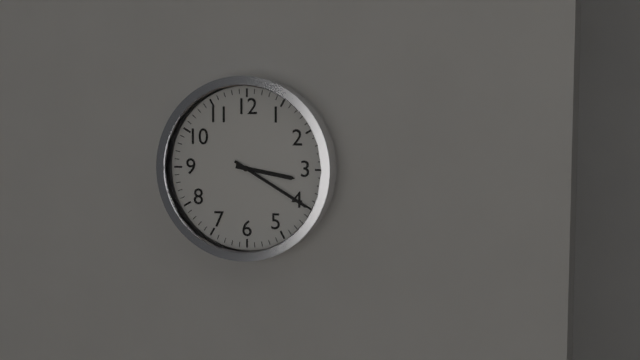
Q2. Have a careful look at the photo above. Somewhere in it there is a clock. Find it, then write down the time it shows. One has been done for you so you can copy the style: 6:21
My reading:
3:20
